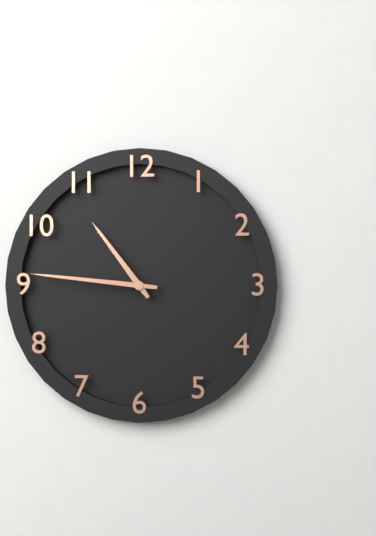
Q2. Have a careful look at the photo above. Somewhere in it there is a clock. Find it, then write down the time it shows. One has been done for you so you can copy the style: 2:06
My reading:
10:46
